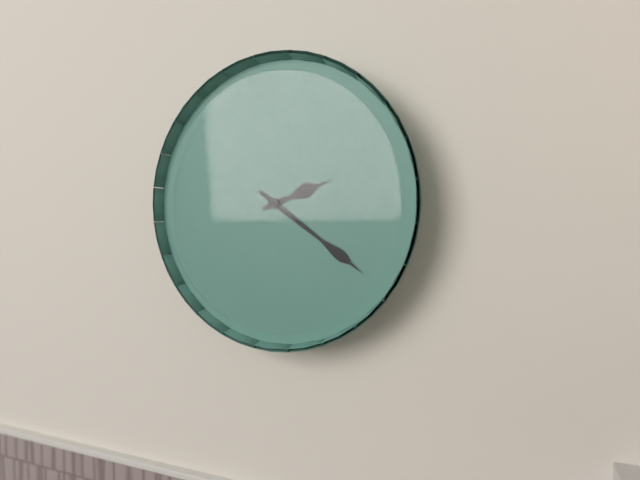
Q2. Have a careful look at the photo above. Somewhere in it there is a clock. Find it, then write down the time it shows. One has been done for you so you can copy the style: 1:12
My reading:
2:21
